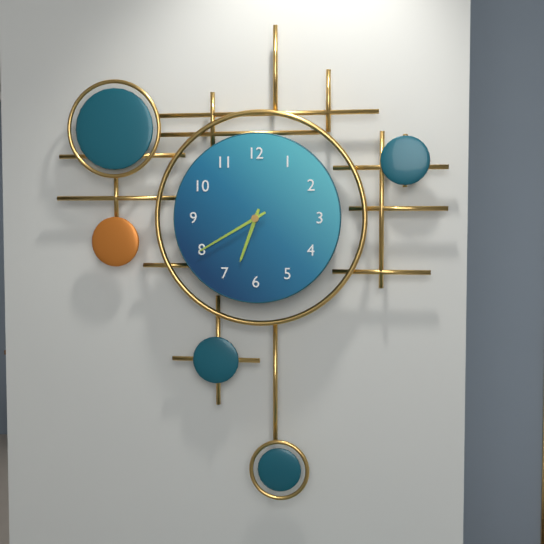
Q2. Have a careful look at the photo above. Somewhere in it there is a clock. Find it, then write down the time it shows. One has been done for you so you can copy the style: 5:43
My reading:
6:40
